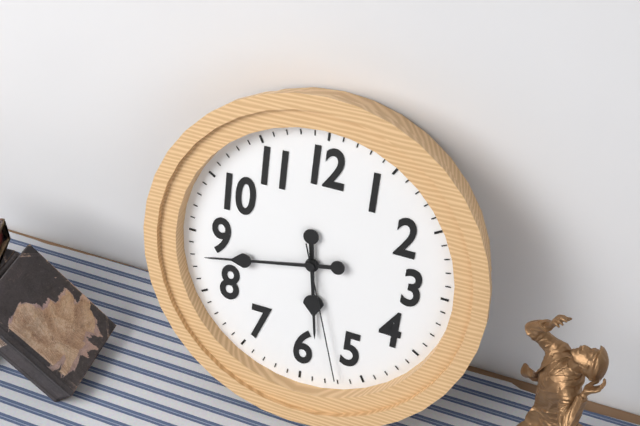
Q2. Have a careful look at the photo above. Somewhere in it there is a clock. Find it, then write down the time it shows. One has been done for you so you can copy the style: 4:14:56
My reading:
5:43:27
